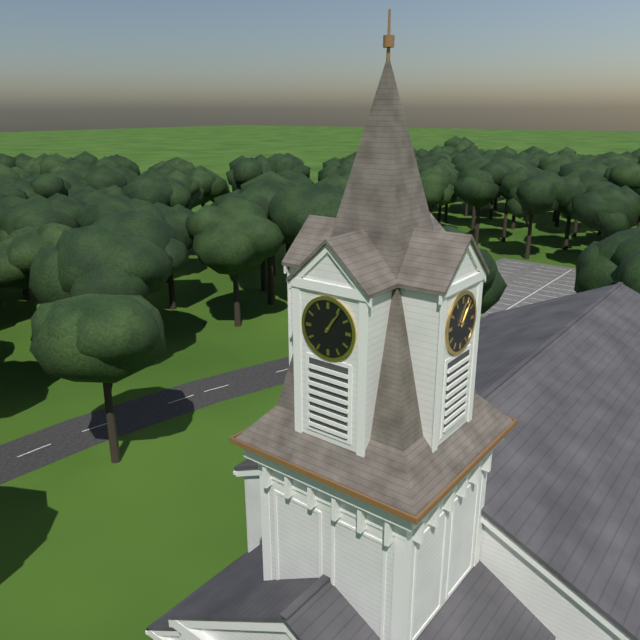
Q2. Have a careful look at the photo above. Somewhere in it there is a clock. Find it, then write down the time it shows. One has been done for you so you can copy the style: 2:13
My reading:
1:06
